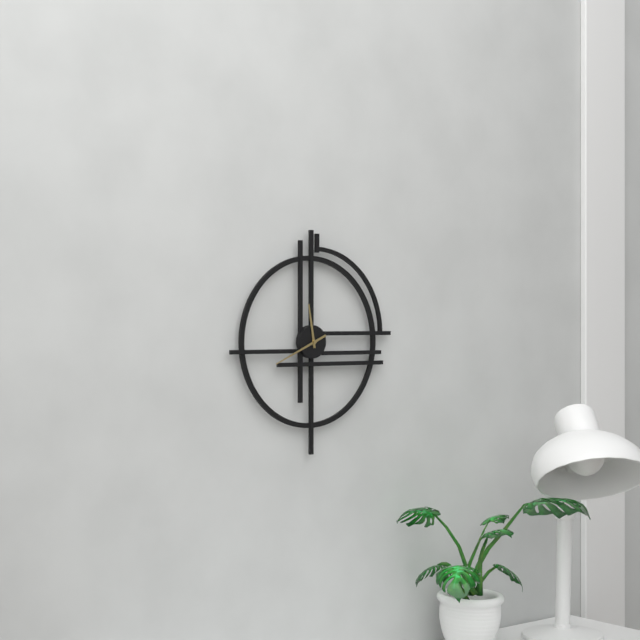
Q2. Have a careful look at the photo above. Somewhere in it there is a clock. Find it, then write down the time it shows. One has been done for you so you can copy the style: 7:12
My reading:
11:41
